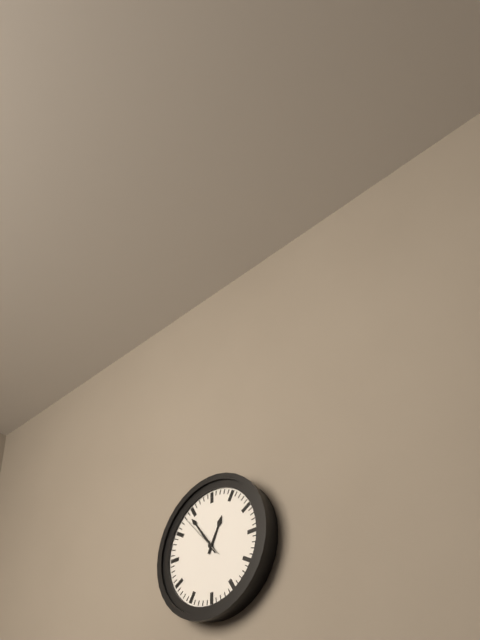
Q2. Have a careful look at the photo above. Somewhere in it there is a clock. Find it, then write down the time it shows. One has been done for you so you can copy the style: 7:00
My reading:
12:54
